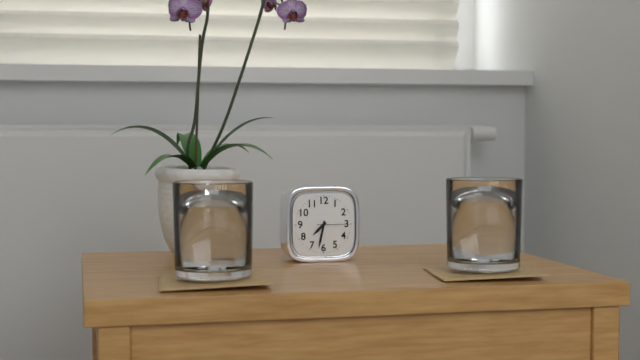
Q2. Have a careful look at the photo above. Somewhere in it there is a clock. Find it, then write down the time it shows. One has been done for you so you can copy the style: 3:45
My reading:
7:32
